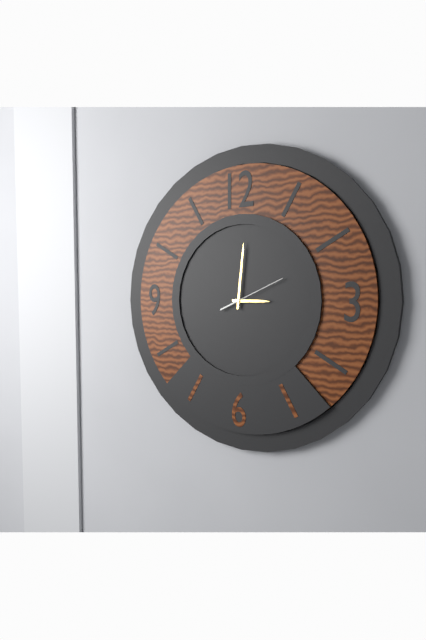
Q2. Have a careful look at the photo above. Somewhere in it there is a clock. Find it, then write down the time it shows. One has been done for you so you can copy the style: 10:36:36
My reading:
3:01:11
